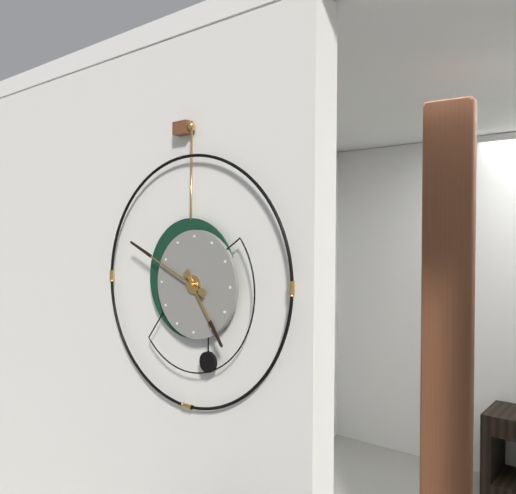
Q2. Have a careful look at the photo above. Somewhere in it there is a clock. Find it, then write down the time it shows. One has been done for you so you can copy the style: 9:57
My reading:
4:49
